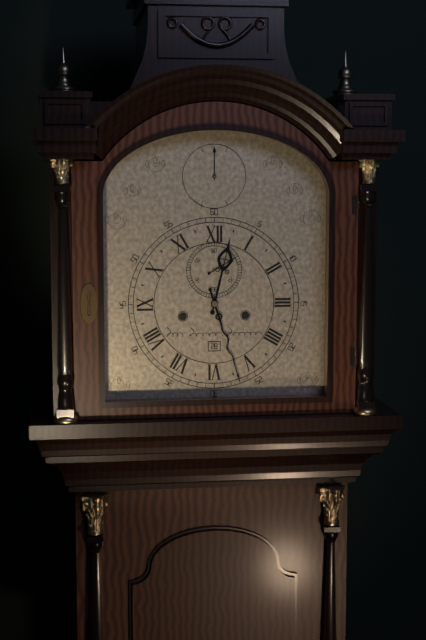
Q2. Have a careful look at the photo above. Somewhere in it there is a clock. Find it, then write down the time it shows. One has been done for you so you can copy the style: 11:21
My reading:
12:27
